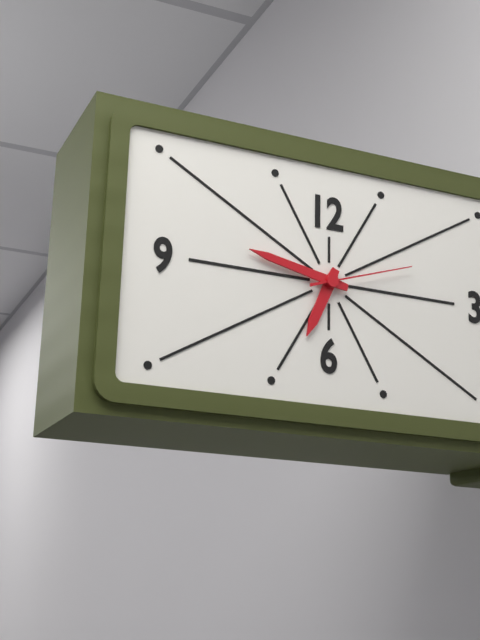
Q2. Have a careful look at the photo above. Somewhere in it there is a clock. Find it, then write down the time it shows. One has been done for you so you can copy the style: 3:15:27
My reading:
6:47:12
